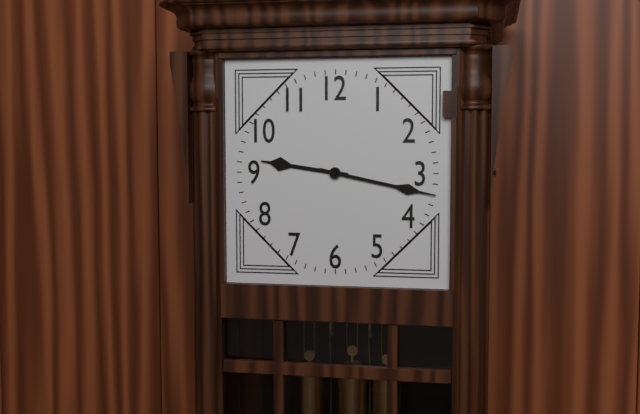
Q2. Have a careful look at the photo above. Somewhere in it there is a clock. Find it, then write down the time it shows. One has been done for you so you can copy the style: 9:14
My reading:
9:17
